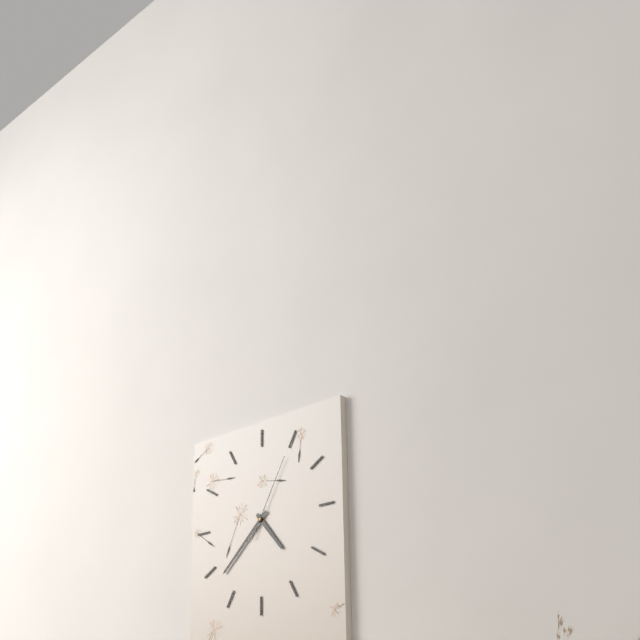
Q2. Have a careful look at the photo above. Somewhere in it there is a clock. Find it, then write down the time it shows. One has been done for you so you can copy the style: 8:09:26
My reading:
4:38:05
